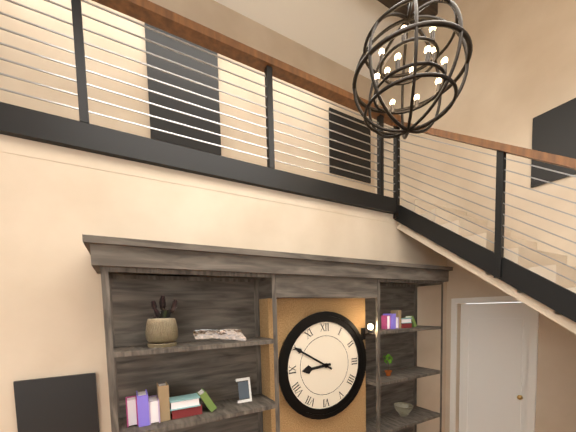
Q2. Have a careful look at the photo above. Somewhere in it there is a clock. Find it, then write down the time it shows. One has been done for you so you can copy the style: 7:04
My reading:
8:50
